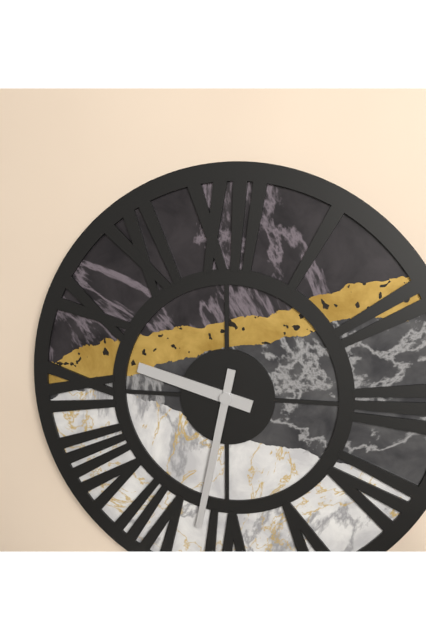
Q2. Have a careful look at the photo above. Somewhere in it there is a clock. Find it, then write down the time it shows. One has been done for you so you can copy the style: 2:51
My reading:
9:32
